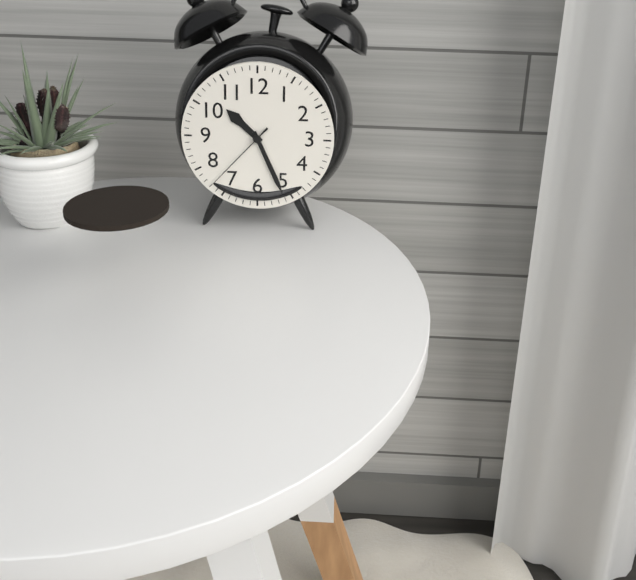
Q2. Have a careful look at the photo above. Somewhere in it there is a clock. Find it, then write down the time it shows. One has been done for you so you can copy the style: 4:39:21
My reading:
10:26:37
